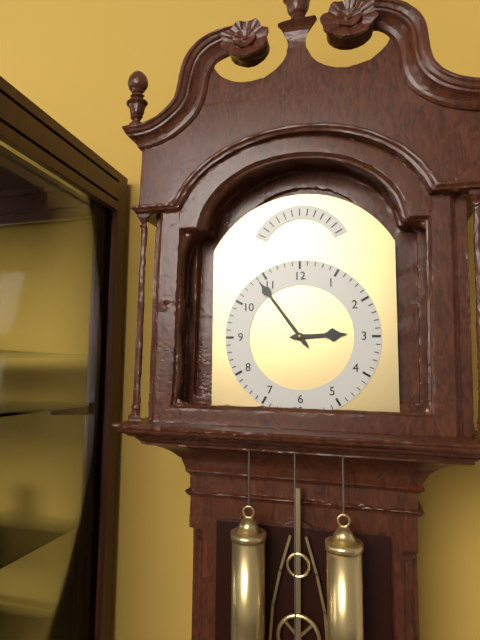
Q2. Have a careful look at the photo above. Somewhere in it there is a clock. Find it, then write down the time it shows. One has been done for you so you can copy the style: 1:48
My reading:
2:54
